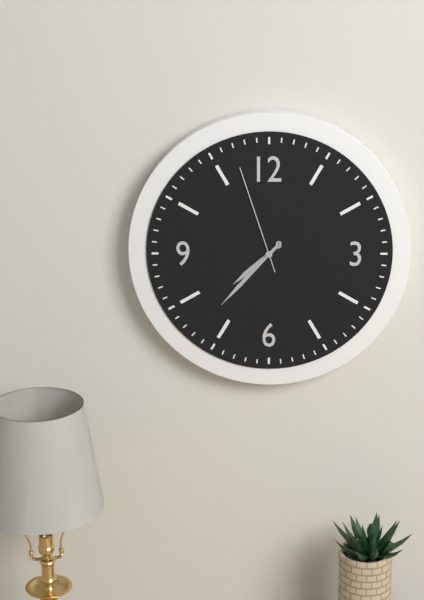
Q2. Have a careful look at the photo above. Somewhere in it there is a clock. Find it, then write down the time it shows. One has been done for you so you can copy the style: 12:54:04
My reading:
7:37:57
